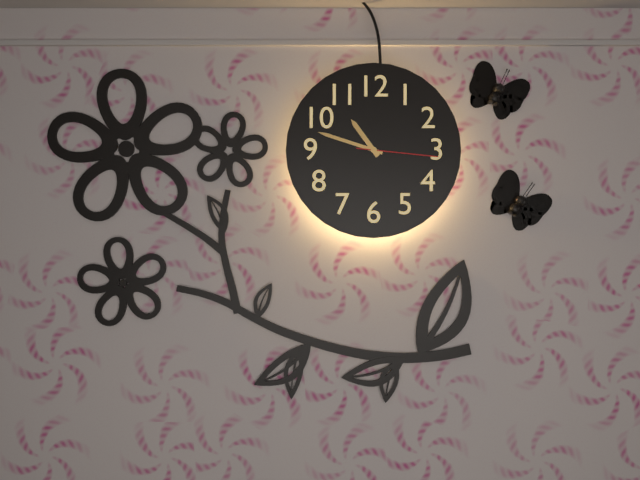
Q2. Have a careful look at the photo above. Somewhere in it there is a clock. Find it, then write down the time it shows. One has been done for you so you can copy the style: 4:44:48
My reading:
10:48:16
